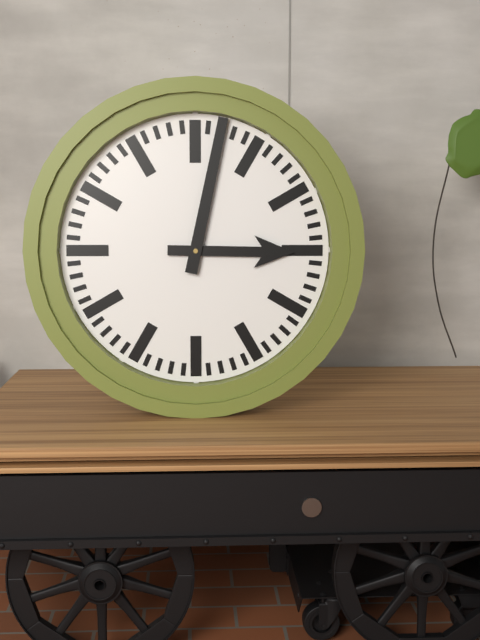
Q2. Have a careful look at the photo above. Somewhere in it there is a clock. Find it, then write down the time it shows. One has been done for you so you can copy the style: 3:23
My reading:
3:02
